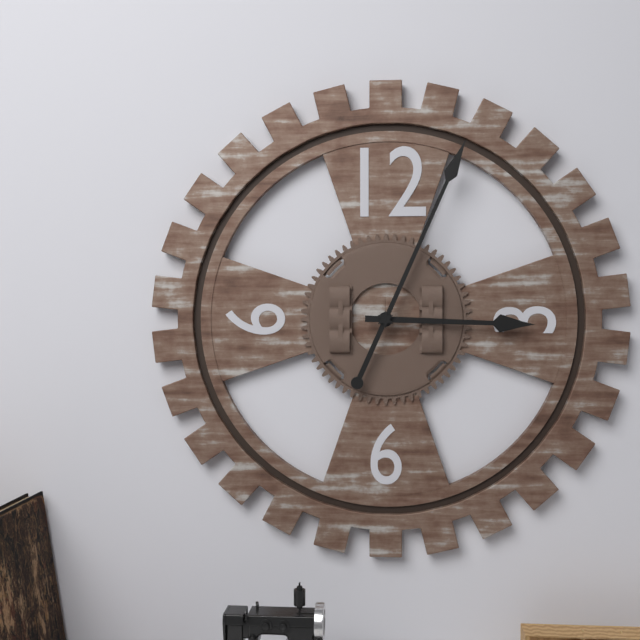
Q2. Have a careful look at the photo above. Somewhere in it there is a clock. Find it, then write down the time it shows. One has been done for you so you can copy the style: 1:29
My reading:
3:04
